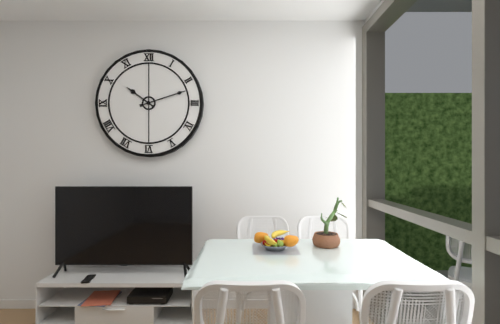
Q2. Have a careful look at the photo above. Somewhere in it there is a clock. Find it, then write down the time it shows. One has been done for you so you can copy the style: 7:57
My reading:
10:12
